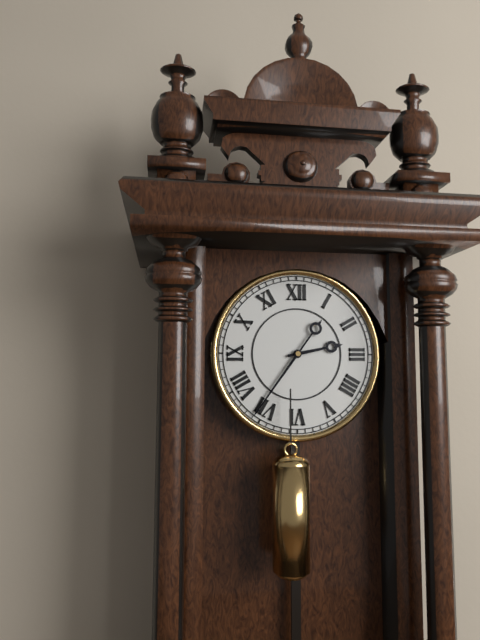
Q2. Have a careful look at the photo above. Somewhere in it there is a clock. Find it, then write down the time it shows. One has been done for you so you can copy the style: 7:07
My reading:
2:36
